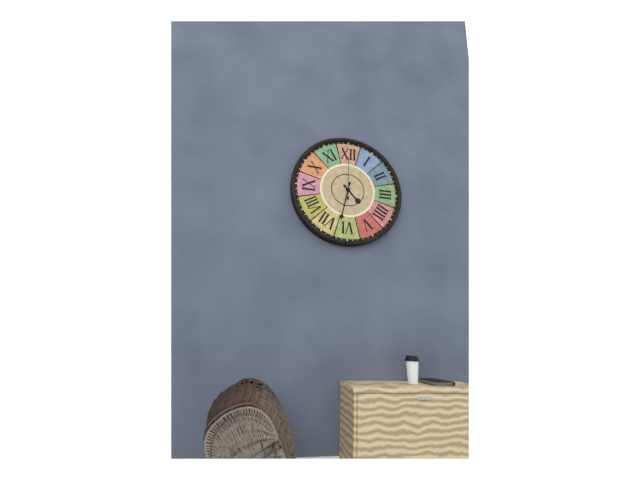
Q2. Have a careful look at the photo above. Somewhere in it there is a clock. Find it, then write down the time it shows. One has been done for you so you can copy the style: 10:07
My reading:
4:32
